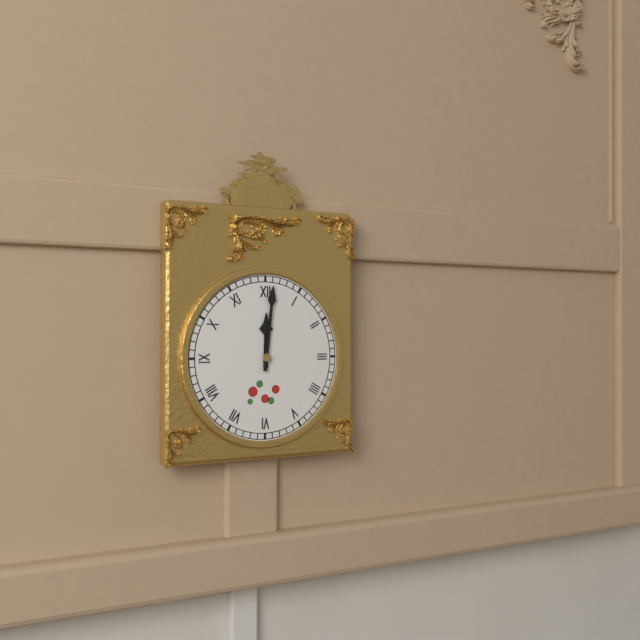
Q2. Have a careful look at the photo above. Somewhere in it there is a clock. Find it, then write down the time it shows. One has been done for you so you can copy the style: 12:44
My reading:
12:01
